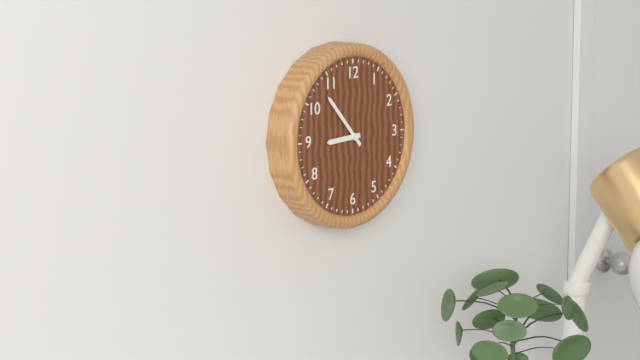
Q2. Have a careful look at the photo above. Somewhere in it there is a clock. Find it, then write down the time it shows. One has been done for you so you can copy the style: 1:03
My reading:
8:53
